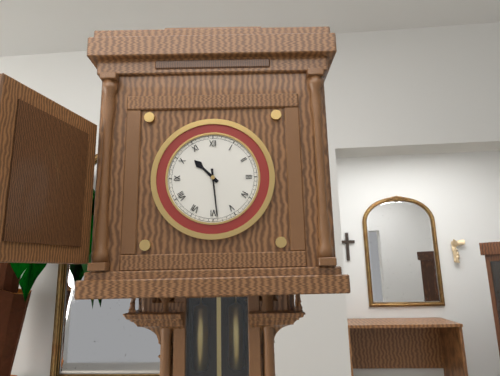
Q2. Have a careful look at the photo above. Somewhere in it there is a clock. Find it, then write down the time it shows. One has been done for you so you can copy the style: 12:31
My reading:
10:29
